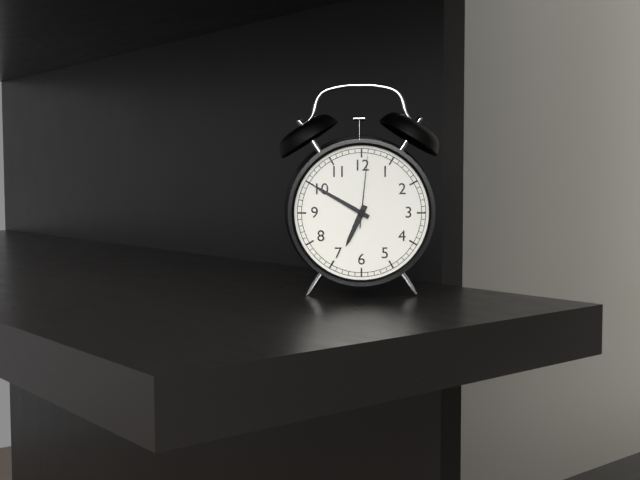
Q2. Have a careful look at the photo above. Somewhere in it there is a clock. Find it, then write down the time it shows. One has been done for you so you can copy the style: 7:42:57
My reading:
6:50:01
